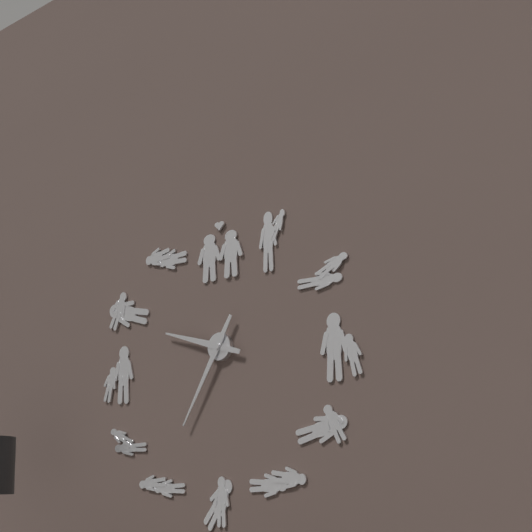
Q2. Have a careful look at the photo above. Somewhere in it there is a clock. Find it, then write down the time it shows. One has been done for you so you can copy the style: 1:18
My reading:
9:35
